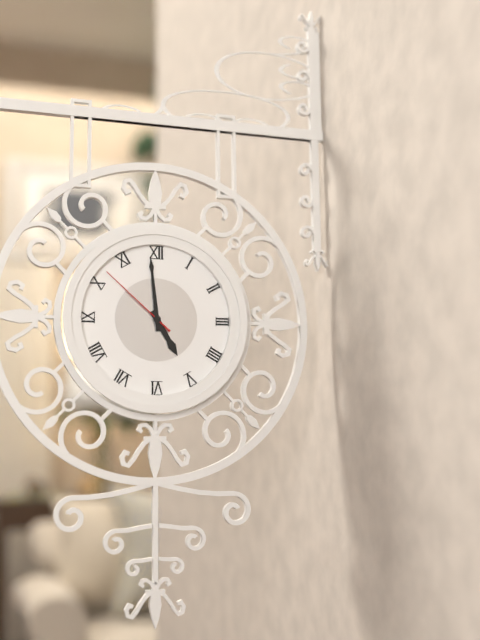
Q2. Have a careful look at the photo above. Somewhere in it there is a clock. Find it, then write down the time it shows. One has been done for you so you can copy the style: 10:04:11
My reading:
4:59:52
